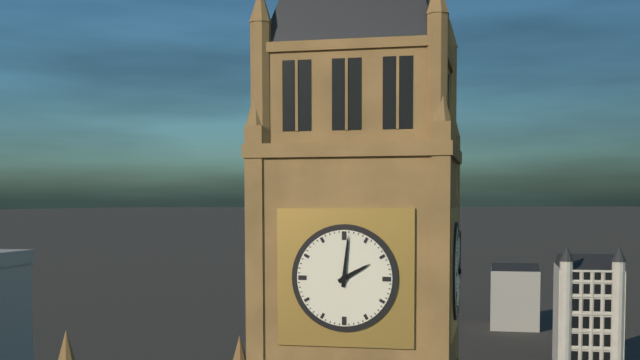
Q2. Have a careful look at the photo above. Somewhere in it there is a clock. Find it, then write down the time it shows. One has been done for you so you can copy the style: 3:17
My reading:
2:01
